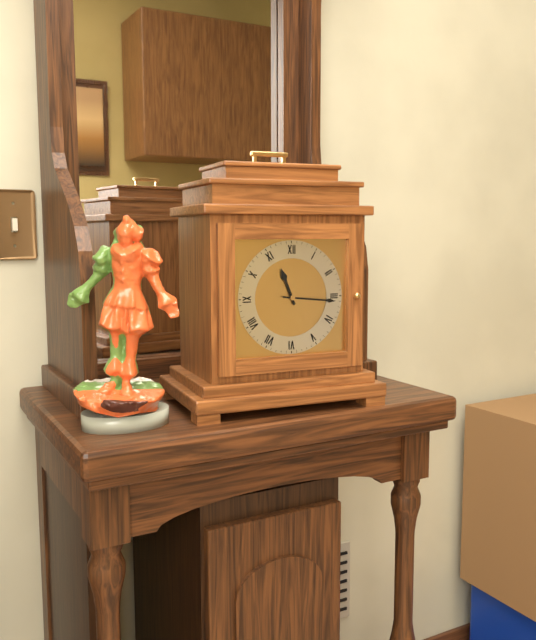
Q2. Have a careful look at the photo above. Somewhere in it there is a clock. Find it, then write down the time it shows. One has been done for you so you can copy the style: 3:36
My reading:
11:16
